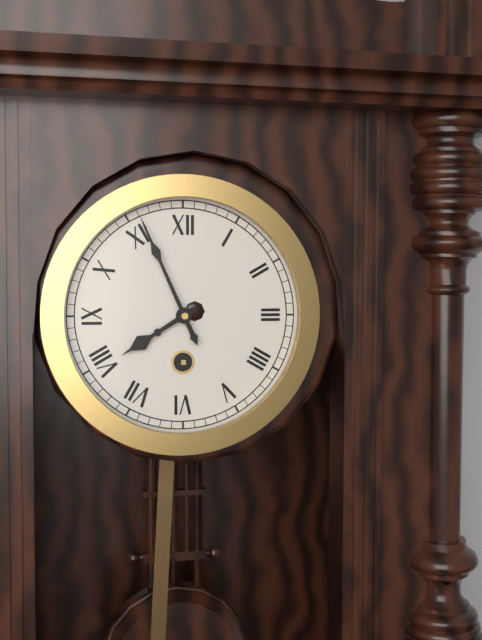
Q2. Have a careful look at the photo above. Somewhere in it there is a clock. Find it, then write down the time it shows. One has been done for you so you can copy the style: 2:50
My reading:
7:56
